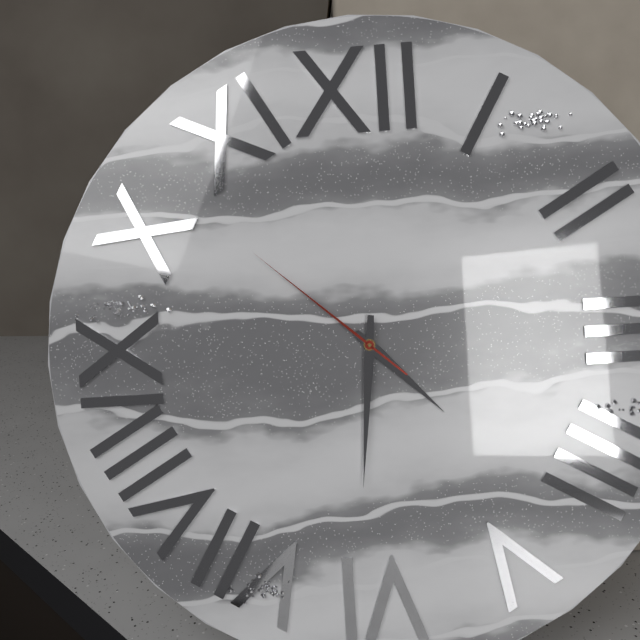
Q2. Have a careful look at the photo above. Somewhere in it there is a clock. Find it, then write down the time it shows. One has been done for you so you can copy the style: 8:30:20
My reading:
4:31:52
